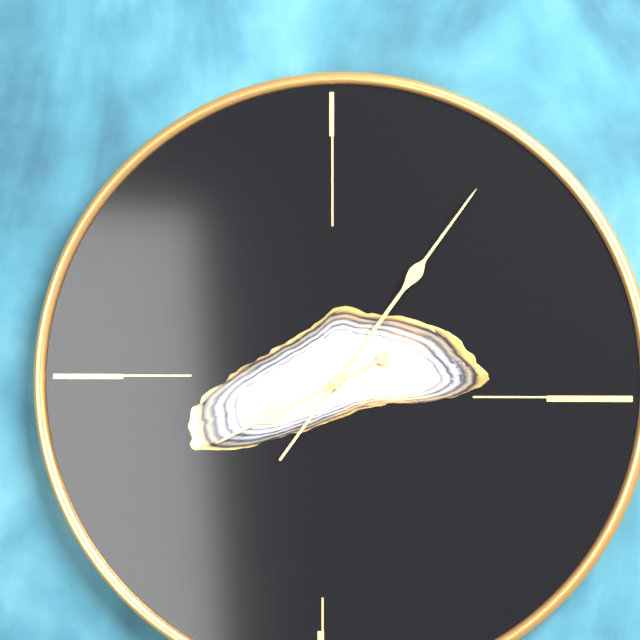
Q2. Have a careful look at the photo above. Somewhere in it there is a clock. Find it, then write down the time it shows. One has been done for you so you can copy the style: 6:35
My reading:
8:06
